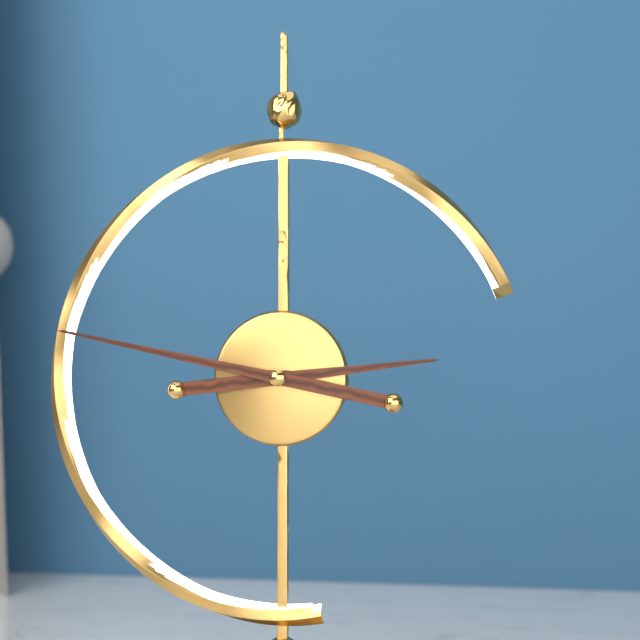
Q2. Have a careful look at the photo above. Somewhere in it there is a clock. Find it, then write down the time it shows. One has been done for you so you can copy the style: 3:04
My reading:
2:47
